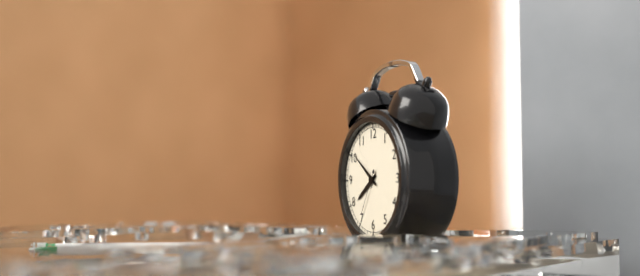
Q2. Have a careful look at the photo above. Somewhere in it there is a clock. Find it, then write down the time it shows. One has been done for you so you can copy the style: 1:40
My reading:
7:51
